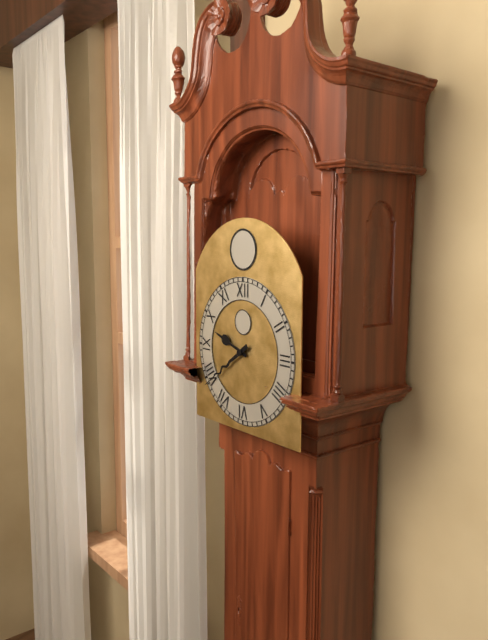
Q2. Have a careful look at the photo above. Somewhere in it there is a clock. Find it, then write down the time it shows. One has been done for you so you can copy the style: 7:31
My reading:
9:39
